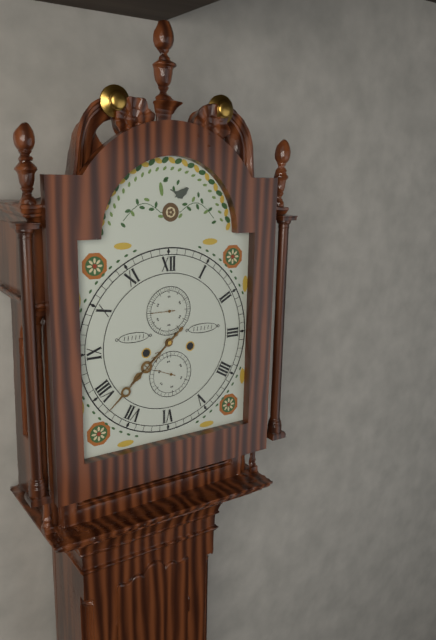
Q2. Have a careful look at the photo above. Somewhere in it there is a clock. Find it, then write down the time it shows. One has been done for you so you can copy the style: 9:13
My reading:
7:38
